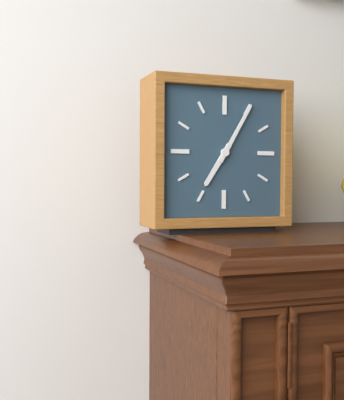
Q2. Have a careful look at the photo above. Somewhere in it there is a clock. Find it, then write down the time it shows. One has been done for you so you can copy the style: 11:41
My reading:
7:05
